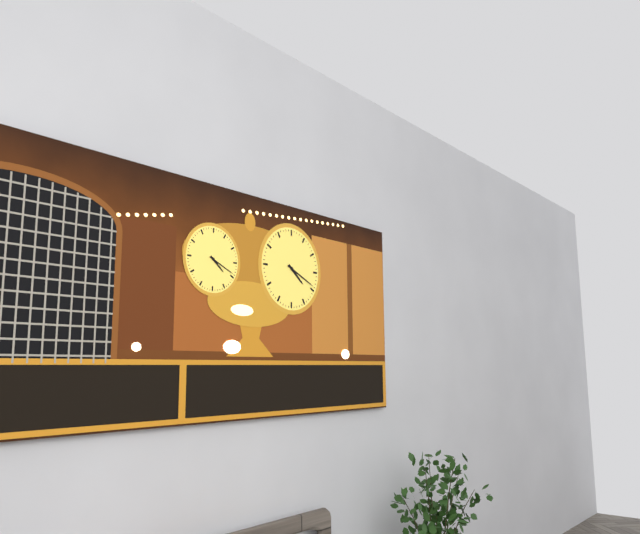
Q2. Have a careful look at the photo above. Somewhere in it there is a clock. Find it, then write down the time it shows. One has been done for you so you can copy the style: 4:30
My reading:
4:19
